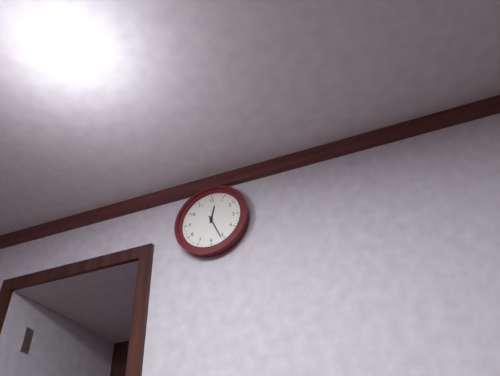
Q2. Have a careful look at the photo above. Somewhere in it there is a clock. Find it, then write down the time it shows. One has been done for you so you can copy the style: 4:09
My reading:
12:26
